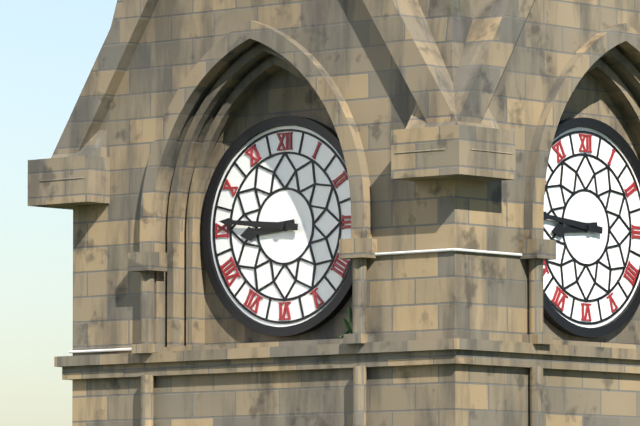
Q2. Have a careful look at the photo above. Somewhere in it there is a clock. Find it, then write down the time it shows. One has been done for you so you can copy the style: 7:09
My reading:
8:46
